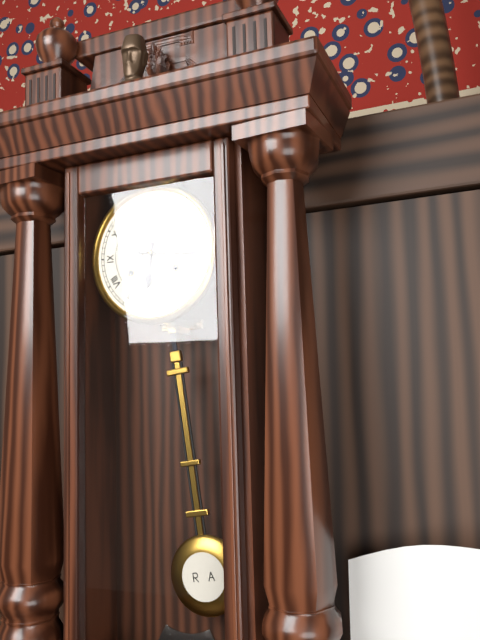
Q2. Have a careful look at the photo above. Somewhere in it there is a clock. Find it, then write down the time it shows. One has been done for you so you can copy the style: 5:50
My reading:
6:16
